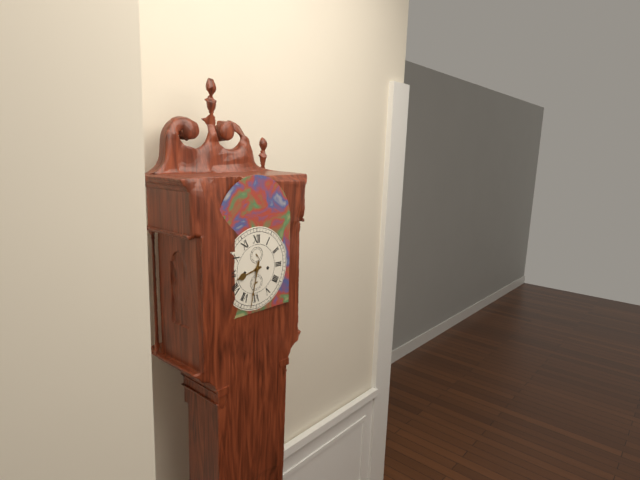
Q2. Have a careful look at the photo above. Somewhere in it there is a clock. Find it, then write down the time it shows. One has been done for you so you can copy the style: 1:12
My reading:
8:32
